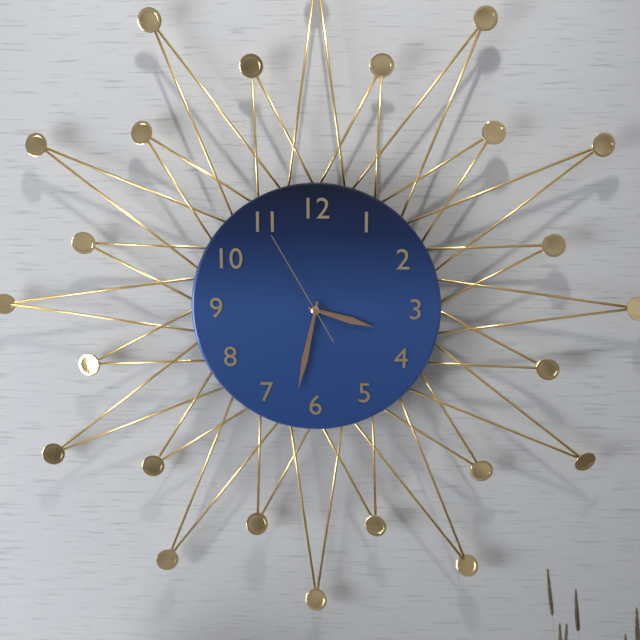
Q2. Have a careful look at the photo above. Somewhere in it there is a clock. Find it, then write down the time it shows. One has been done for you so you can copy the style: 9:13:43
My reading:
3:32:55
